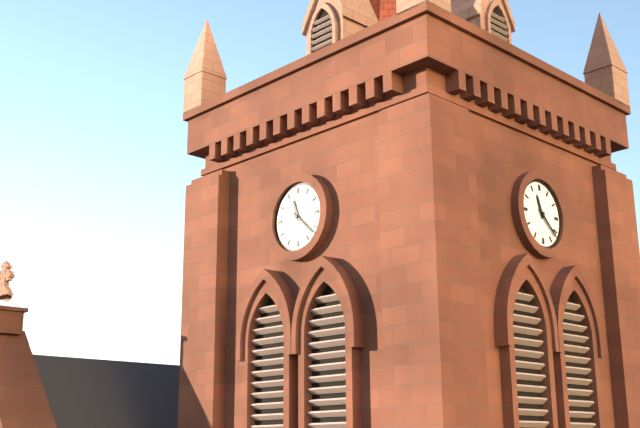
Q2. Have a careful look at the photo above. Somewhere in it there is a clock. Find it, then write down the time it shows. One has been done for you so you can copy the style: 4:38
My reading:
11:22
